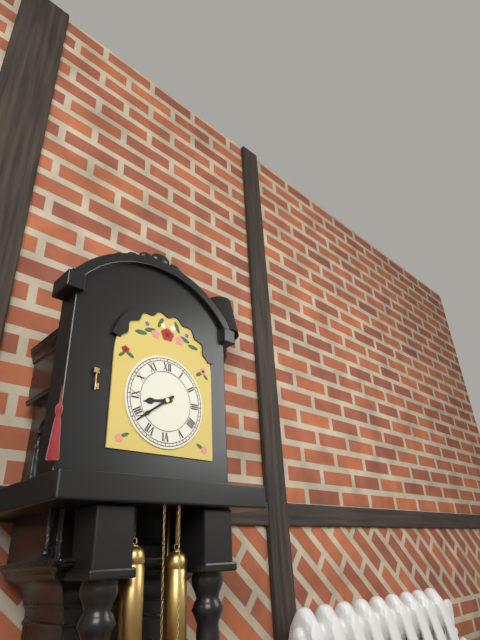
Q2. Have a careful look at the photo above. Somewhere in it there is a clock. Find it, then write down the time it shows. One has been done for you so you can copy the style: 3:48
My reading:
8:39
